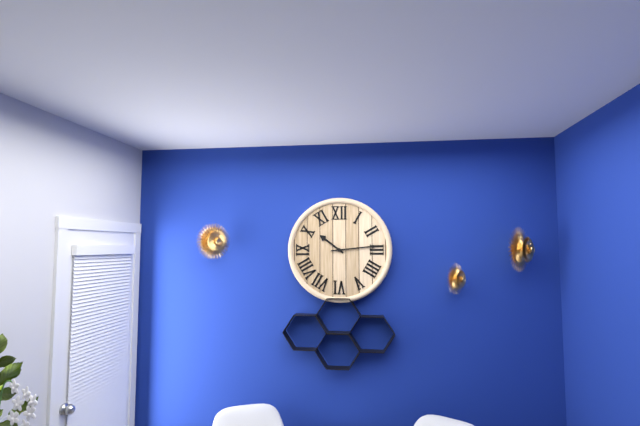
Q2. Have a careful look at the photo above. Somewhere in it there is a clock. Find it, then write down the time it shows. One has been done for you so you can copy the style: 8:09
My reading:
10:14
